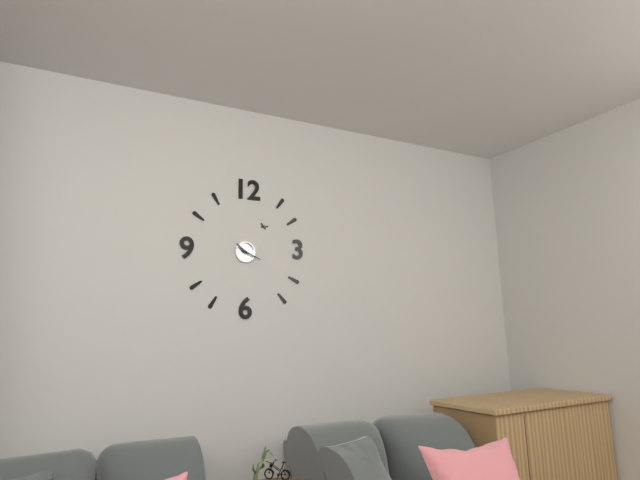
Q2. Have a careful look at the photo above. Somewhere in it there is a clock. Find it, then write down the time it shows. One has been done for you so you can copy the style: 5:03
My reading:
10:19
